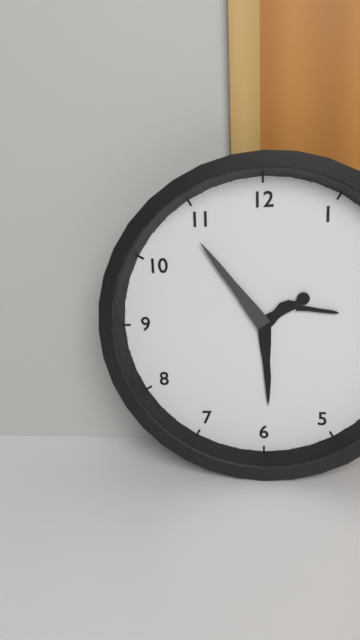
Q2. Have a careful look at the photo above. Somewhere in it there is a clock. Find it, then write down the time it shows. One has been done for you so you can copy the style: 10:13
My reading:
5:54
